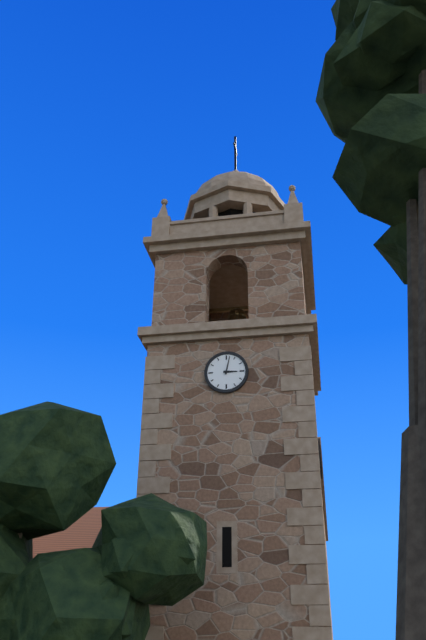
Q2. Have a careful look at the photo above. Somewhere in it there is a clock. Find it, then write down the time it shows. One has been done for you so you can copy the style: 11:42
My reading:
3:02
